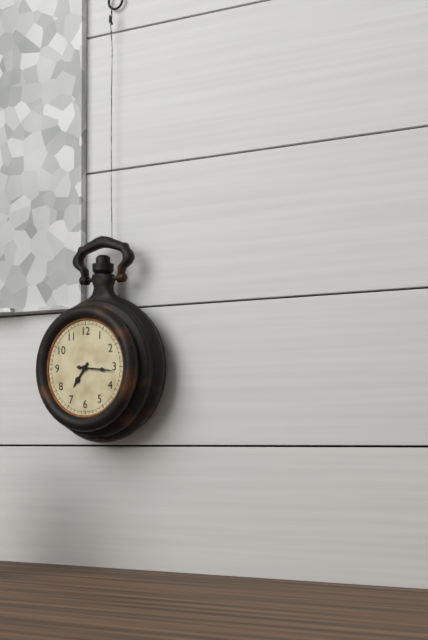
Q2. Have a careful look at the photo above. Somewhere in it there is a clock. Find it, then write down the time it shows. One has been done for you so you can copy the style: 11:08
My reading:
7:16
